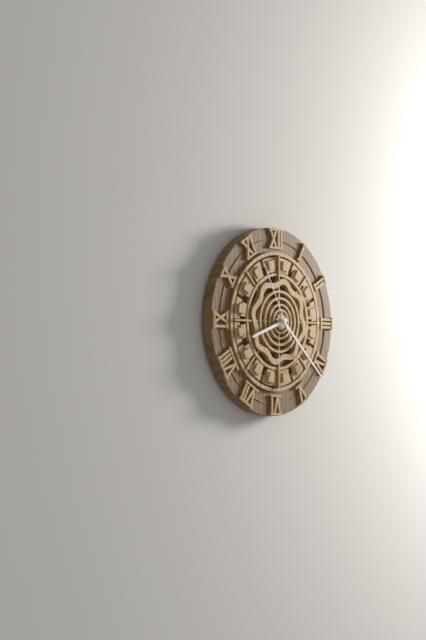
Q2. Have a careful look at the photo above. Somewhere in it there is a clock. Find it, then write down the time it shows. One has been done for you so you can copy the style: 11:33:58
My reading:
8:22:55
